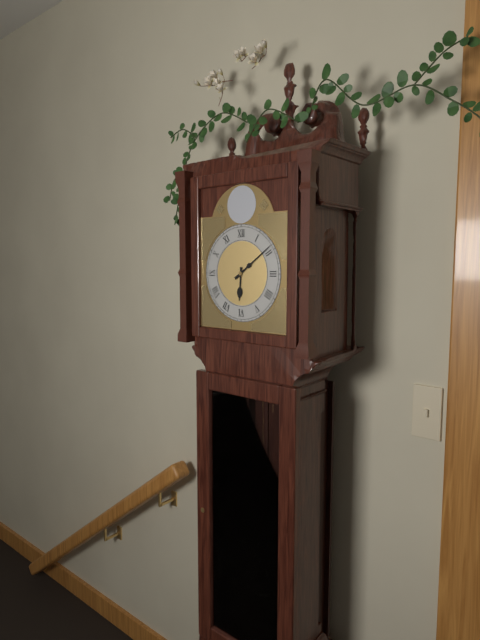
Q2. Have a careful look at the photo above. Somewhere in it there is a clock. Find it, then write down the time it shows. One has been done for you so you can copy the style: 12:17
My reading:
6:09
